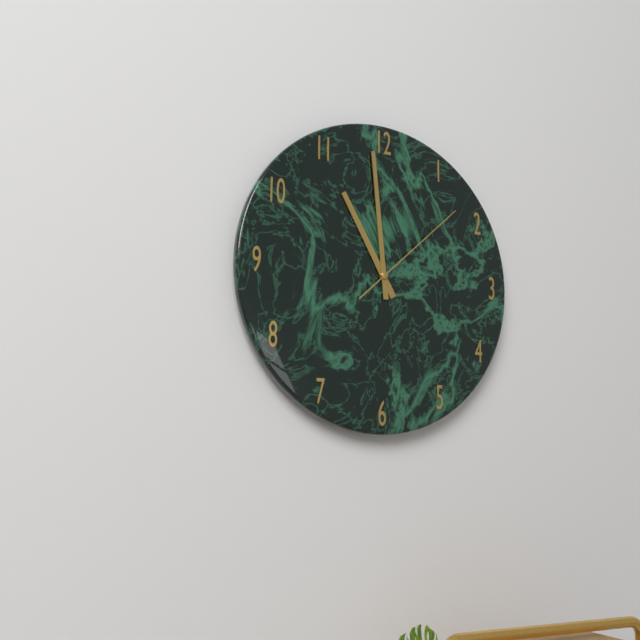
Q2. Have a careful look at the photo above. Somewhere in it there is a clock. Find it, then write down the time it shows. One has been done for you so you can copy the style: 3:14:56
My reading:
10:59:08
